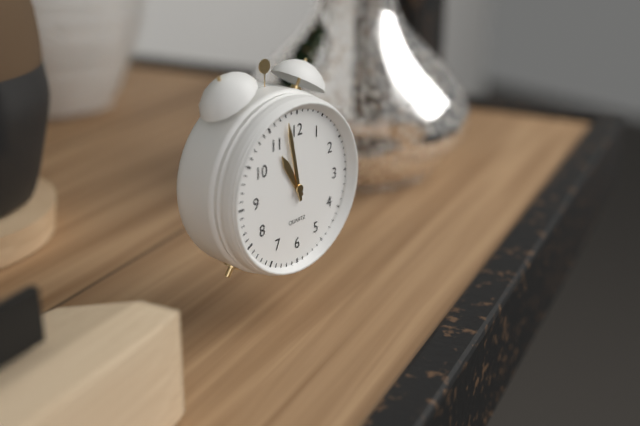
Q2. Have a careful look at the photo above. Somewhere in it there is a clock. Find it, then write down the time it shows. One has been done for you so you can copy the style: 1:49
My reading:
10:58
